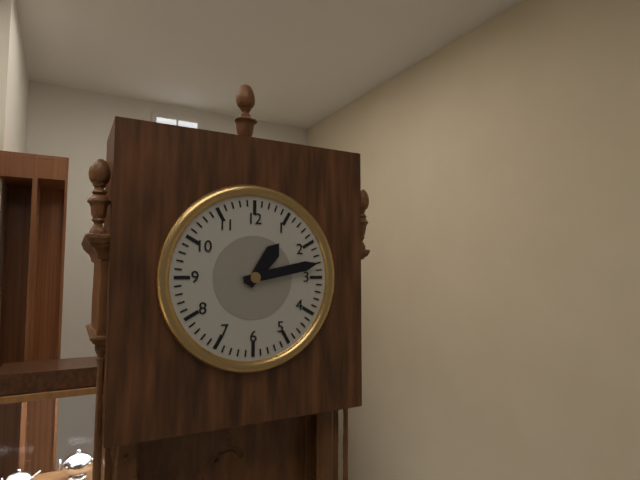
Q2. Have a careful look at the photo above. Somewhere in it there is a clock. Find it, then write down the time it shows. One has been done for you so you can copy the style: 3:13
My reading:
1:13
